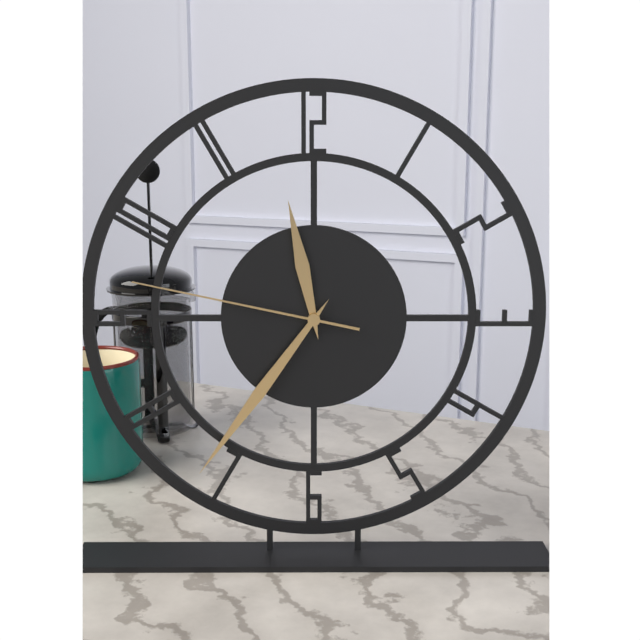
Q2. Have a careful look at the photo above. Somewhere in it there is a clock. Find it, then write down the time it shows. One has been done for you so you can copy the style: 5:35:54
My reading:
11:36:47
